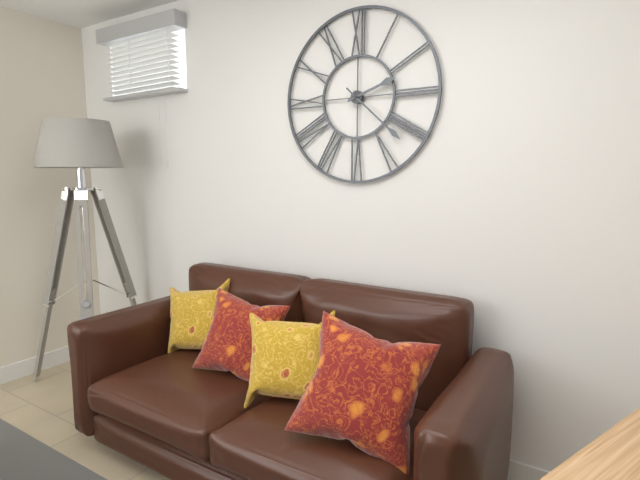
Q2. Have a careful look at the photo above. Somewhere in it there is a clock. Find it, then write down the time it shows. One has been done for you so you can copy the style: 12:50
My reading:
2:22
